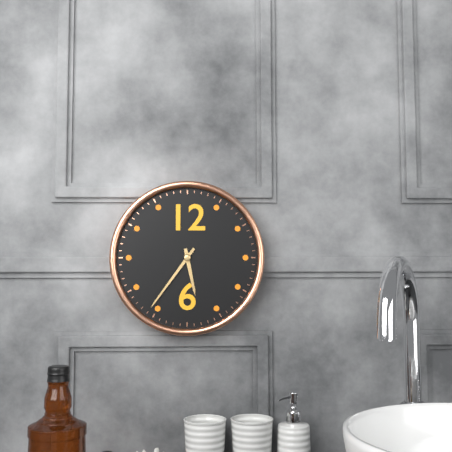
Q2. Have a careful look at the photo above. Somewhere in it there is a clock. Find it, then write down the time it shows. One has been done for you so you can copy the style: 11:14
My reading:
5:36
